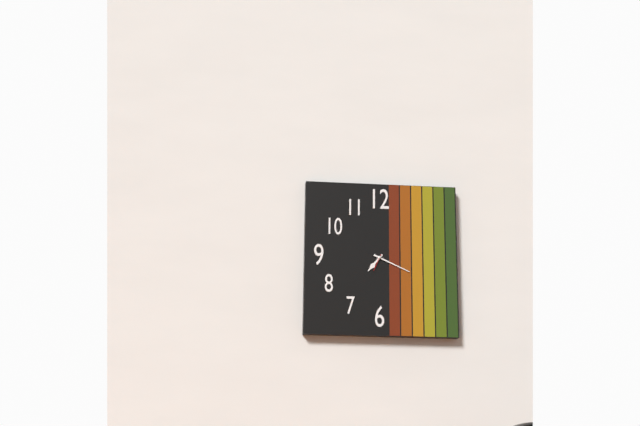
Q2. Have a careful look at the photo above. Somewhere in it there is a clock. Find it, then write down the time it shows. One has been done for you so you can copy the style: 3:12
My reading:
7:19
